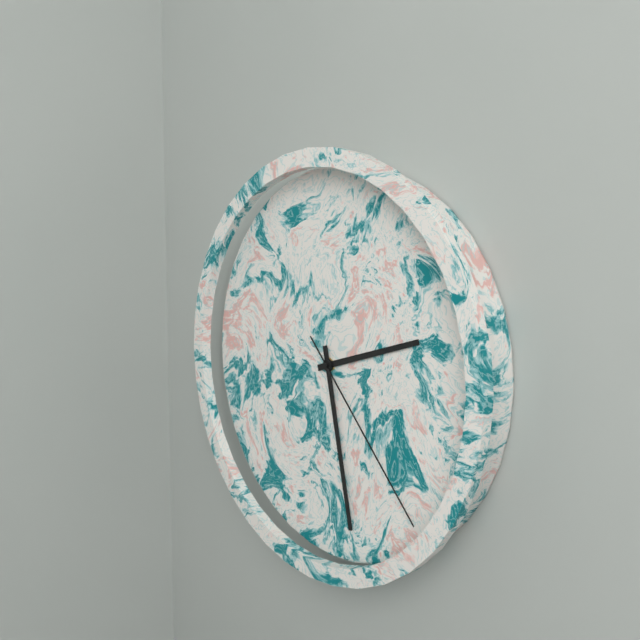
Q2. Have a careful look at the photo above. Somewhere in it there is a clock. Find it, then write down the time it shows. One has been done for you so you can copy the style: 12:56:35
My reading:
2:28:23
